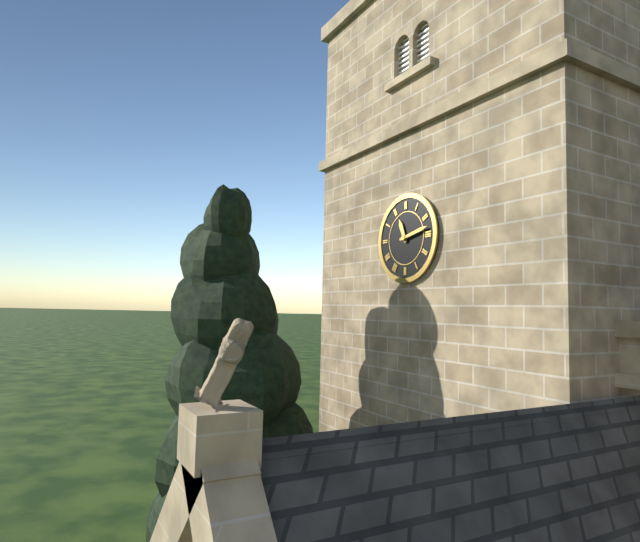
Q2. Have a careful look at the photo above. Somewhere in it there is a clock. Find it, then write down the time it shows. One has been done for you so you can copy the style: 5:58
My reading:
11:13
